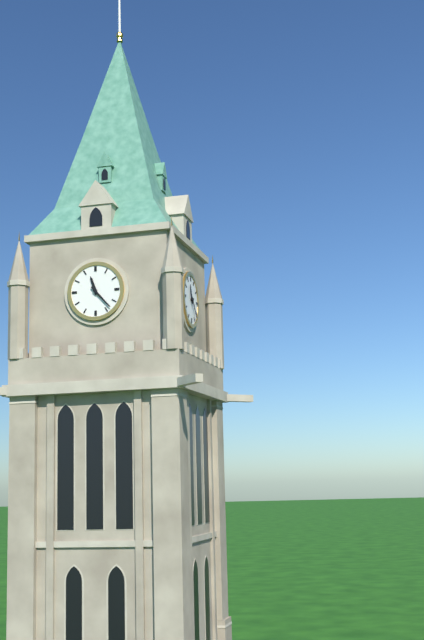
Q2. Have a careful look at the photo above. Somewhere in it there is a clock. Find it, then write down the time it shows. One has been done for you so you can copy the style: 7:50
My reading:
11:23
